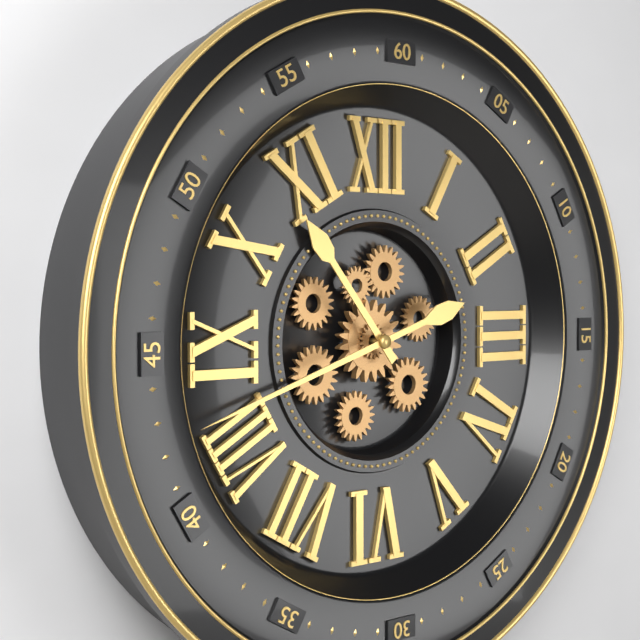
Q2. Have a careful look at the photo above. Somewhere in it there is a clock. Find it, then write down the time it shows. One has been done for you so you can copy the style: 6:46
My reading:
10:42
